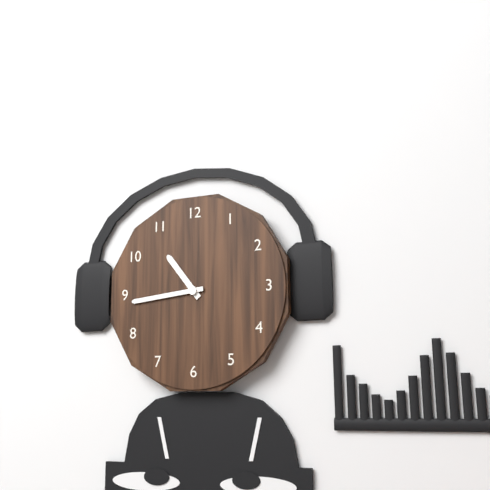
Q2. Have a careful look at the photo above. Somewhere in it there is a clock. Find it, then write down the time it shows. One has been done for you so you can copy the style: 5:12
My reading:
10:44
